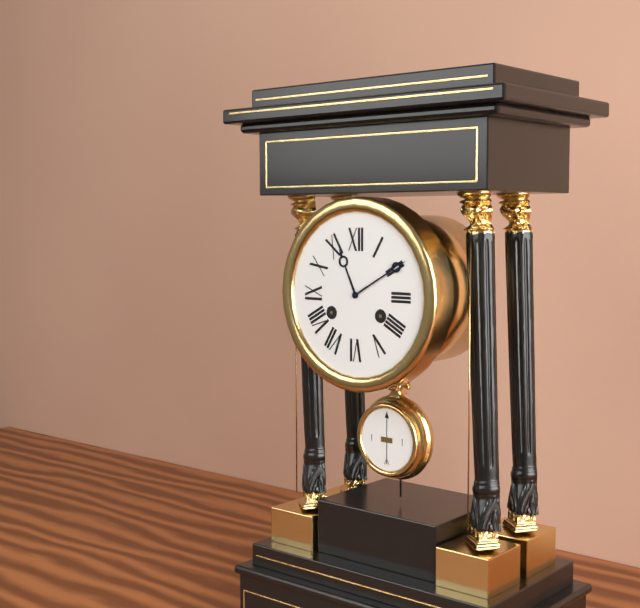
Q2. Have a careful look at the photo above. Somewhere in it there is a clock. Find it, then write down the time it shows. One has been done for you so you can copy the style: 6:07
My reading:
11:10
